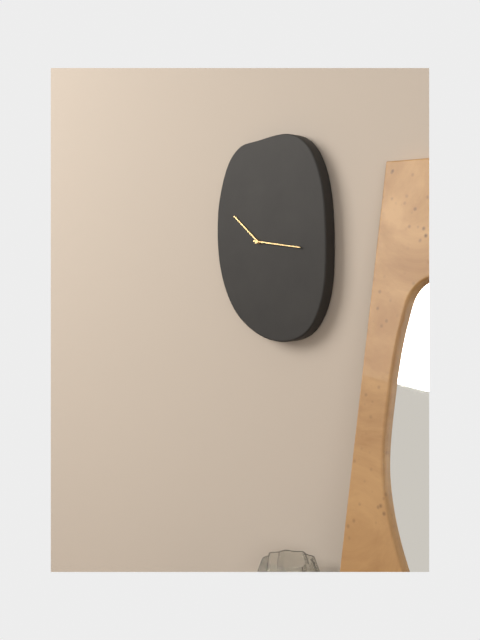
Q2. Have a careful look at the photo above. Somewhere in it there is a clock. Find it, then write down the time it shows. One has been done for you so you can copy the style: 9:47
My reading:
10:16
